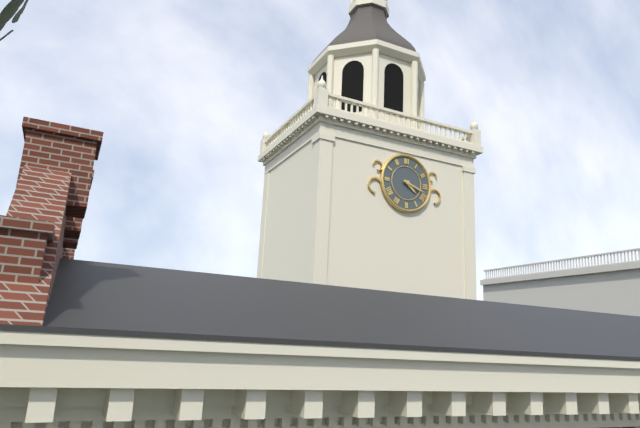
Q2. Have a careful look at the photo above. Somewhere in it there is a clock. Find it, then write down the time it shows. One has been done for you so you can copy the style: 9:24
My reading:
4:18
